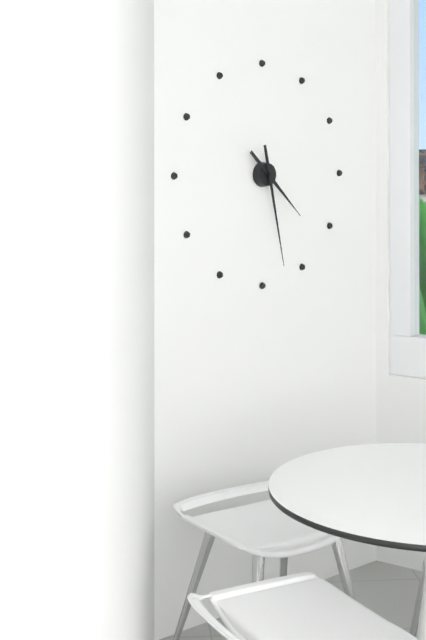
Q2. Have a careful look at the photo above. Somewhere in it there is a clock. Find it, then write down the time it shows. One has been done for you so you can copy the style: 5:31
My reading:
4:28
